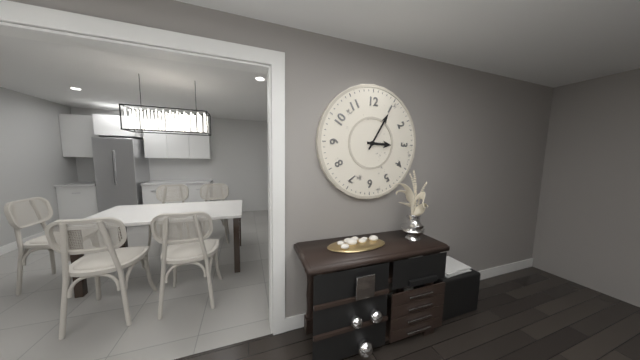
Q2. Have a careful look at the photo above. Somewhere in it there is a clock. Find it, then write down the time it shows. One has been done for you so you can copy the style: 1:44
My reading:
3:05
